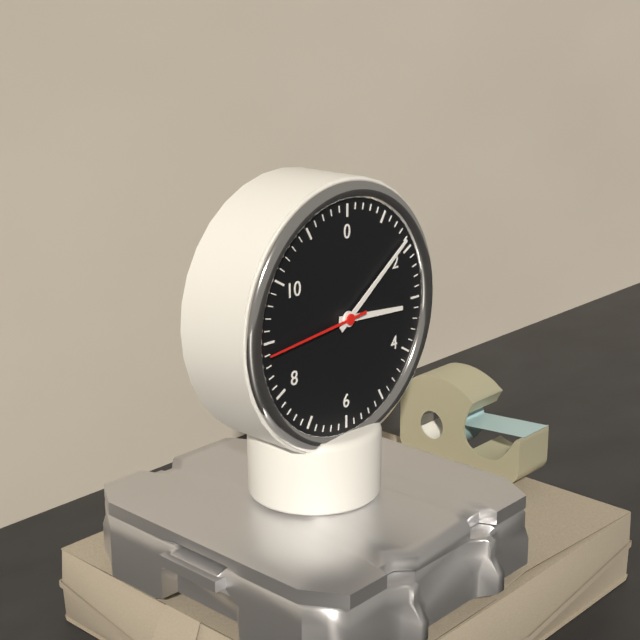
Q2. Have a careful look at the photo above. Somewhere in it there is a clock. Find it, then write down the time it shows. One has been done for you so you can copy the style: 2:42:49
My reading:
3:09:44
